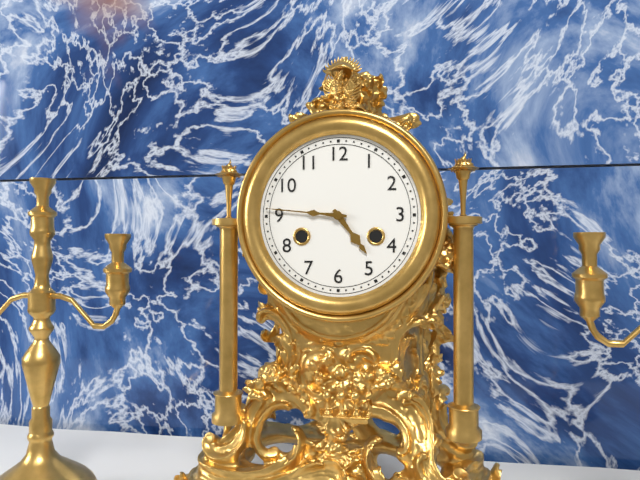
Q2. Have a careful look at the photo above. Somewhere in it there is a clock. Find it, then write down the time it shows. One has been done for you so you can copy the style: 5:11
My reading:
4:46
